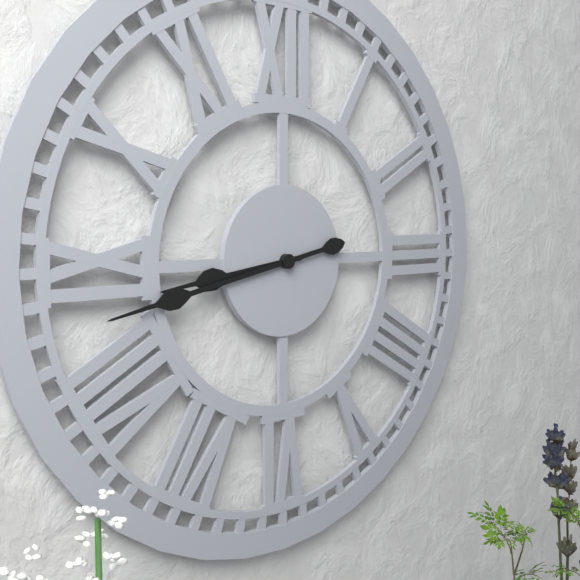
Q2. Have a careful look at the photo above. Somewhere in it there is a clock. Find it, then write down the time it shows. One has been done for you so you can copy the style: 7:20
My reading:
8:43
